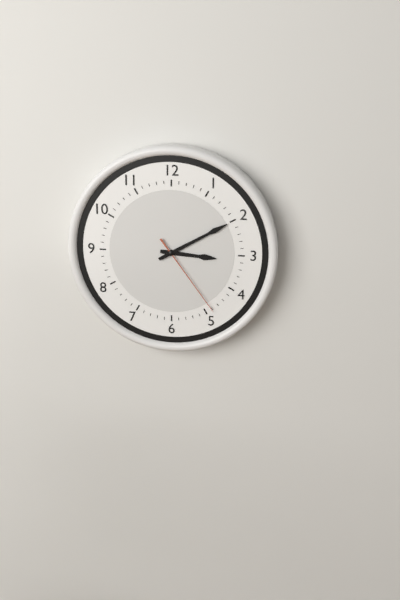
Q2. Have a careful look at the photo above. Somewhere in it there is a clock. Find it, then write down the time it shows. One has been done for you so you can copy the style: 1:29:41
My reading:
3:10:24
